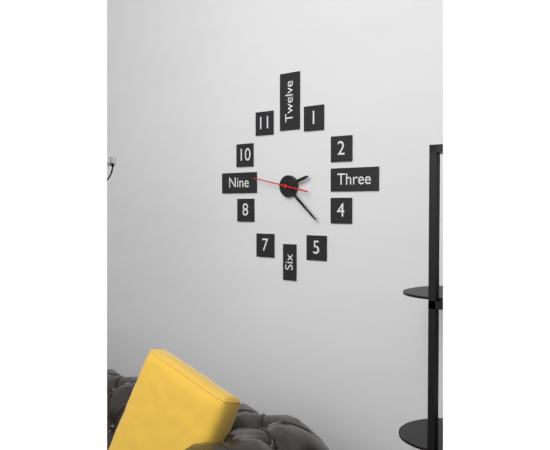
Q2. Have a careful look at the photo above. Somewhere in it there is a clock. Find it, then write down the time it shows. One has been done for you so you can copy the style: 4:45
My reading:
2:22
